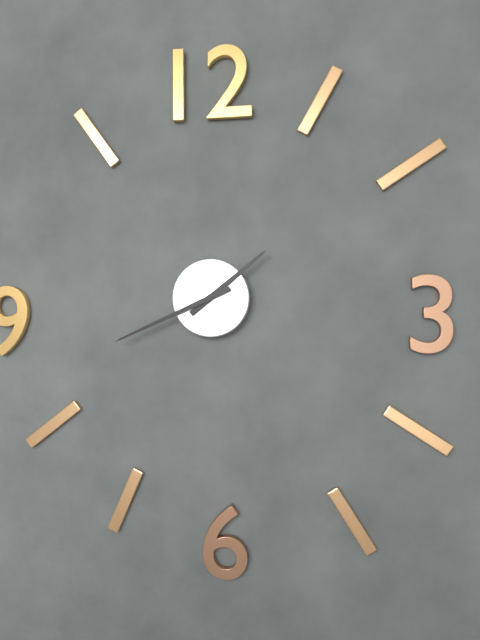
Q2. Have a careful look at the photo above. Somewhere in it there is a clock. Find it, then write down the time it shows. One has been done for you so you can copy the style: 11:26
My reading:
1:41
